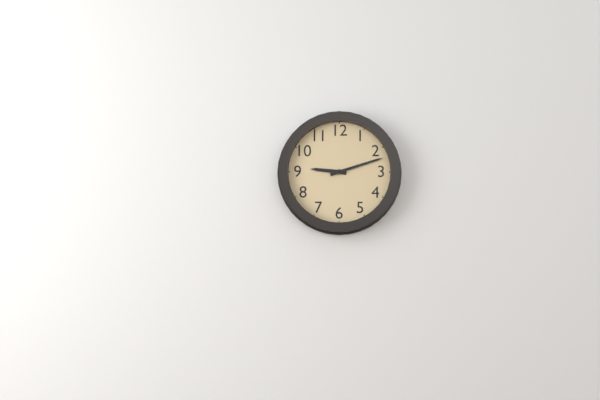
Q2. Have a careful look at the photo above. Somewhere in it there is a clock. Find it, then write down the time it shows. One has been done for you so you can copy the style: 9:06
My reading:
9:12
